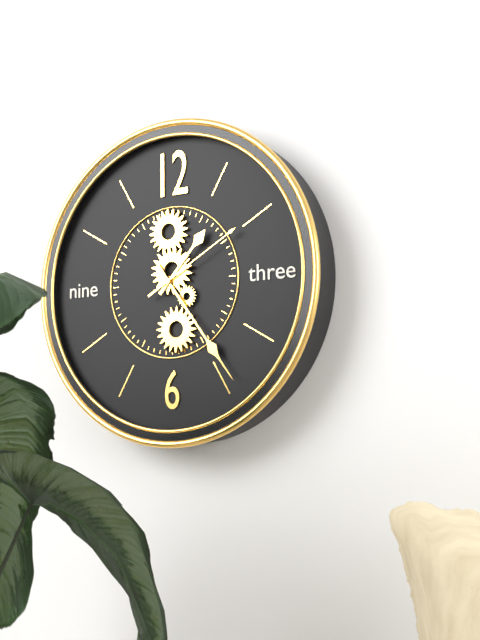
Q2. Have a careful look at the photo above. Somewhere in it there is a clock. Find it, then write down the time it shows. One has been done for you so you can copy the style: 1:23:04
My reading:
1:24:10
